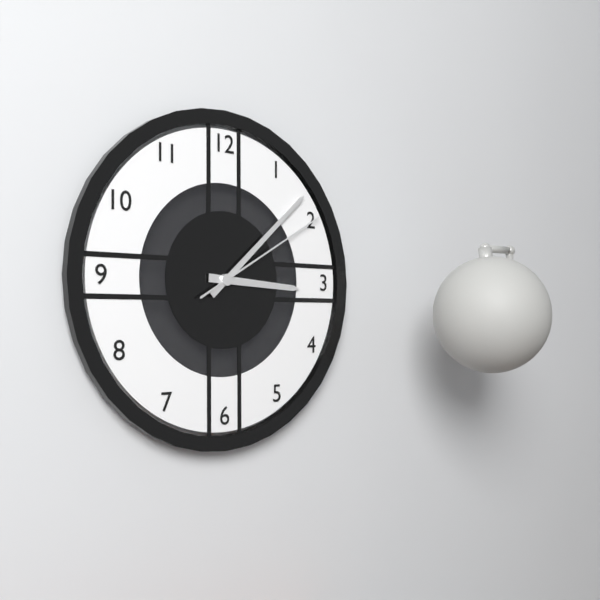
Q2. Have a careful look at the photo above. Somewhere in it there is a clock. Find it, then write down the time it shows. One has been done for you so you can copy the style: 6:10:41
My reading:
3:08:10
